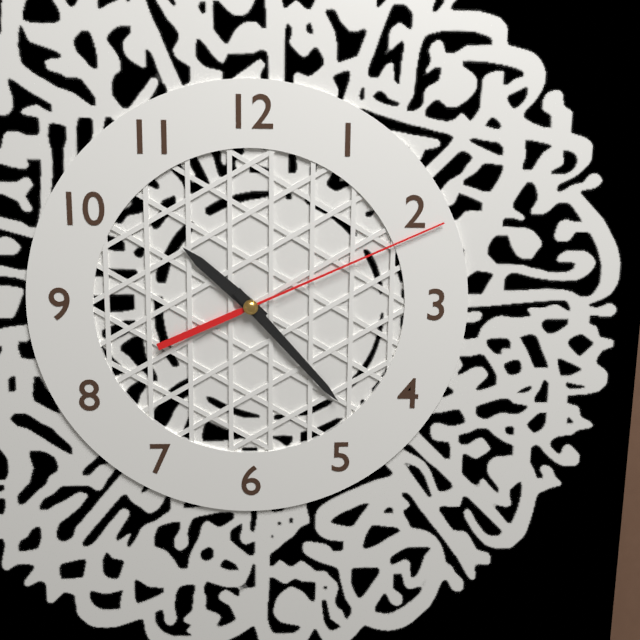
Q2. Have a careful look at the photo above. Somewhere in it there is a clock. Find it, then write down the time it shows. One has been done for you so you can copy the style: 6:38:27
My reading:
10:23:11
